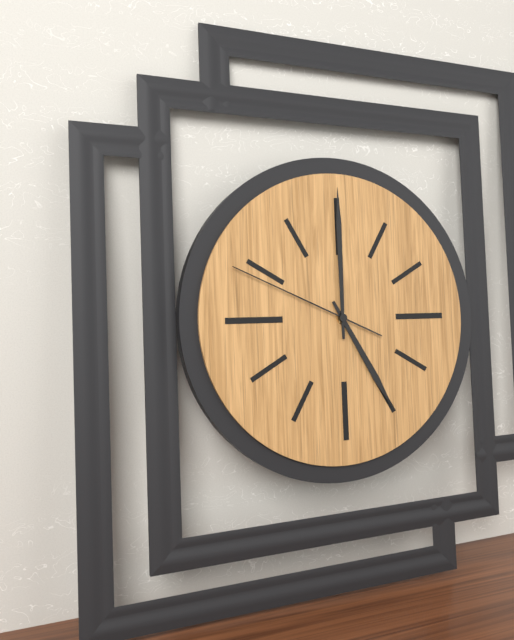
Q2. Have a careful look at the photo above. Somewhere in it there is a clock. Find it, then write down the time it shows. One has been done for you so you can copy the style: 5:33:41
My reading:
5:00:49
